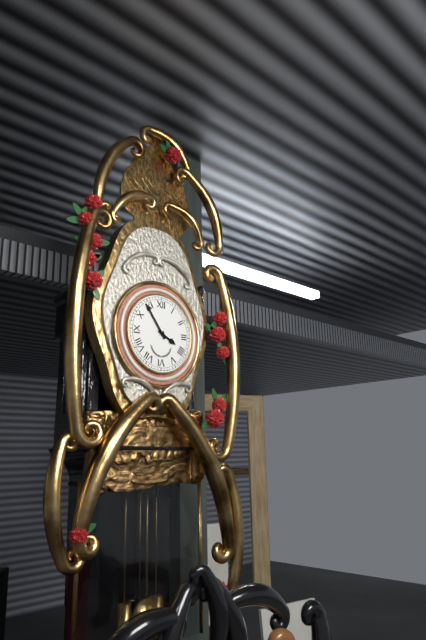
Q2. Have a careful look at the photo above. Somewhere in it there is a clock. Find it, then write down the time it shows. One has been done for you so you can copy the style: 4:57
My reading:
3:54
